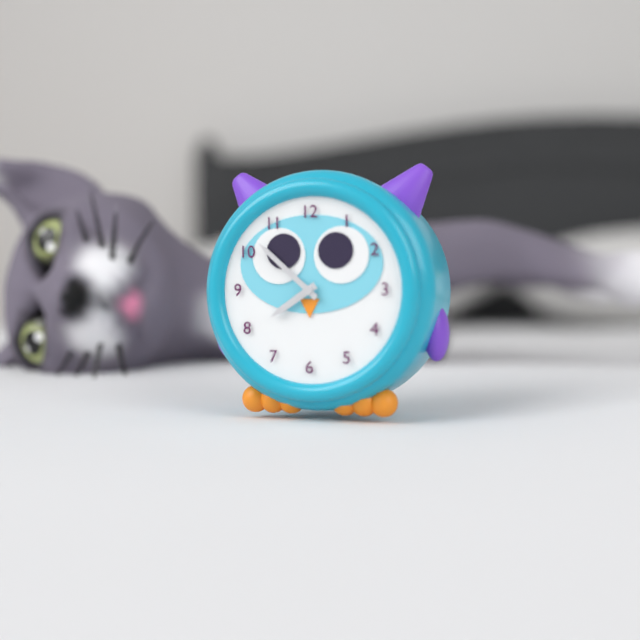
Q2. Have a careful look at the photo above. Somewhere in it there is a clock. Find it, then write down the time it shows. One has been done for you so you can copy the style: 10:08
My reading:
7:52
